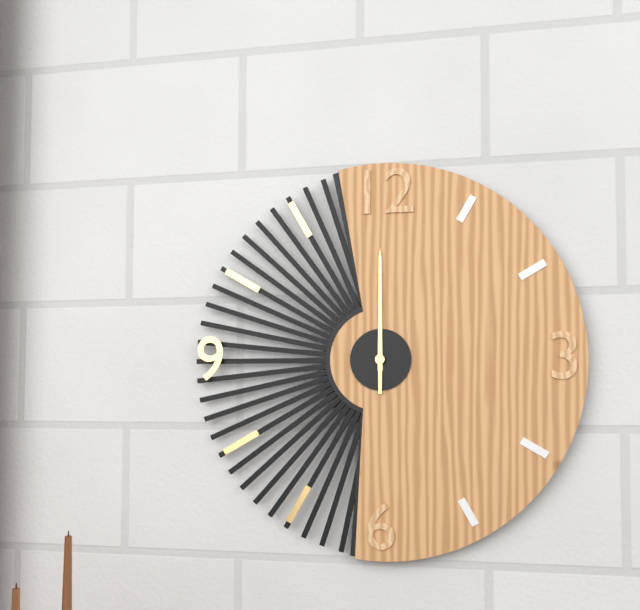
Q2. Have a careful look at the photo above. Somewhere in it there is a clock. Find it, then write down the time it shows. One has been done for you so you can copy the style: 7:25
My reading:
12:00
